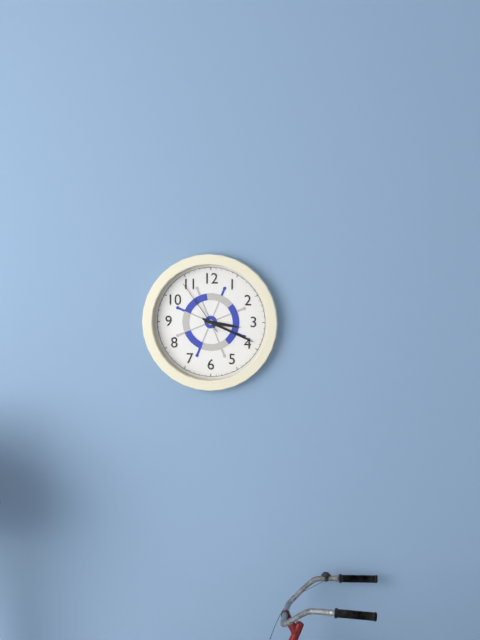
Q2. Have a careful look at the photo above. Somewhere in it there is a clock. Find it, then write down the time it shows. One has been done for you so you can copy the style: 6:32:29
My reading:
3:19:54
